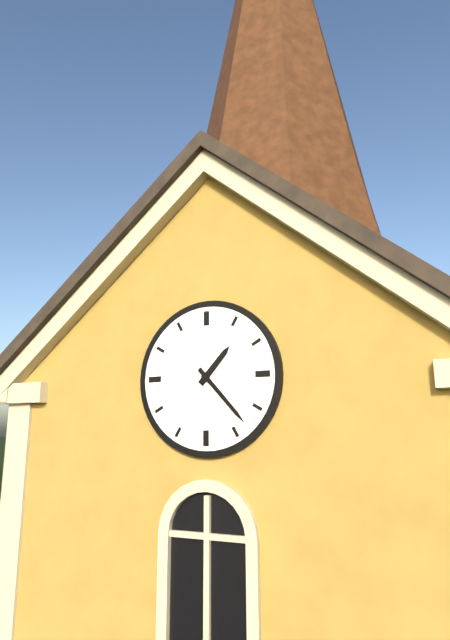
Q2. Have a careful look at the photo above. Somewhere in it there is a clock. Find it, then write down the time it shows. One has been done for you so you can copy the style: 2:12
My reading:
1:23
